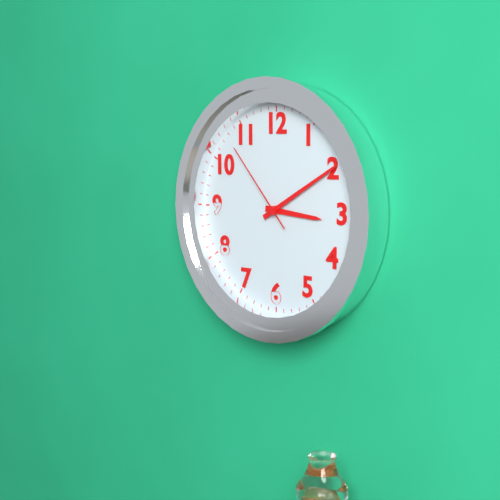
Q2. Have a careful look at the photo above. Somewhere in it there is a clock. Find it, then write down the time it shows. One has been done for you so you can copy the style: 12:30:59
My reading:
3:10:53
